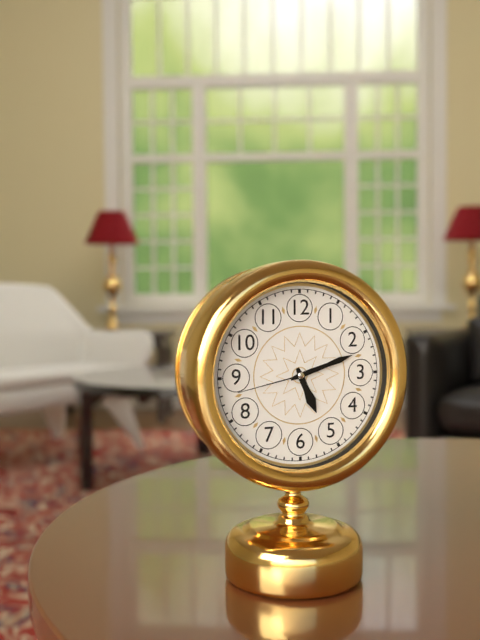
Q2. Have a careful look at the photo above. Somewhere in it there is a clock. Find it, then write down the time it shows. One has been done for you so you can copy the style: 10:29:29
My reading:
5:12:43
